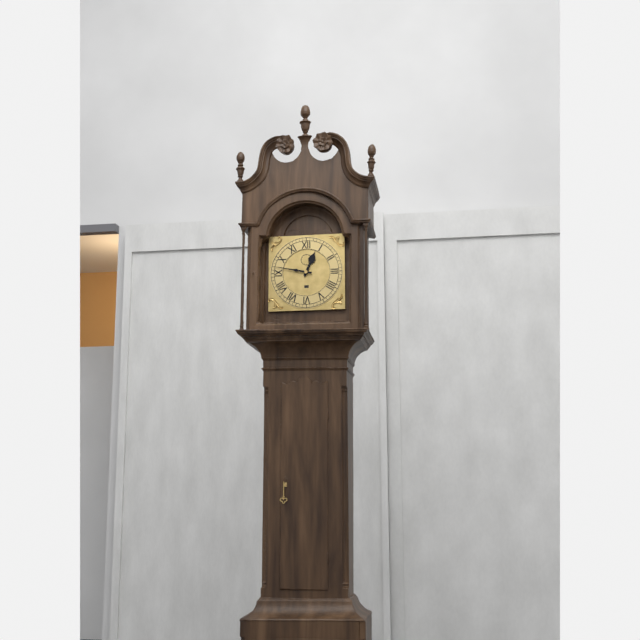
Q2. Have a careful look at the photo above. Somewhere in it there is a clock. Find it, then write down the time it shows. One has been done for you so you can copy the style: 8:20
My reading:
12:47
